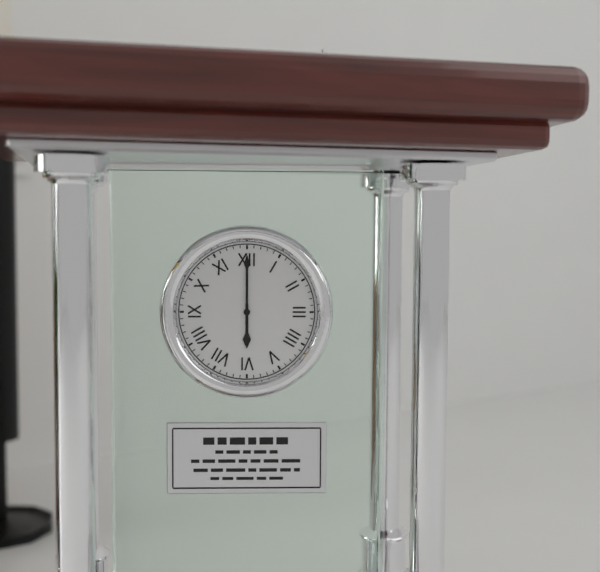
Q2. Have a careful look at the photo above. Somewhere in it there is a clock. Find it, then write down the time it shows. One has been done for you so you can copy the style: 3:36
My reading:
6:00
